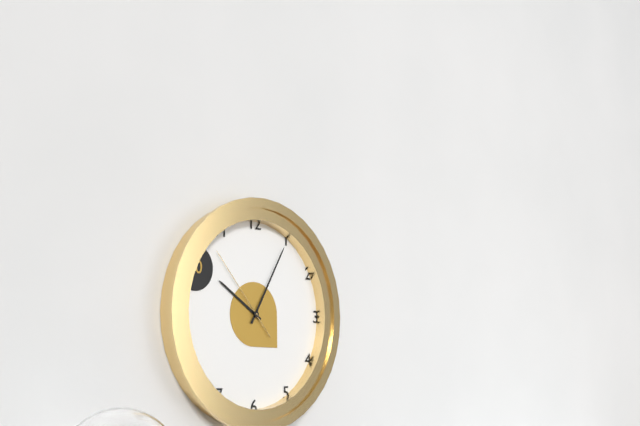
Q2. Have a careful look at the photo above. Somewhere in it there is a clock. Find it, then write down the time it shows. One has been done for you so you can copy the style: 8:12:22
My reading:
10:05:53
